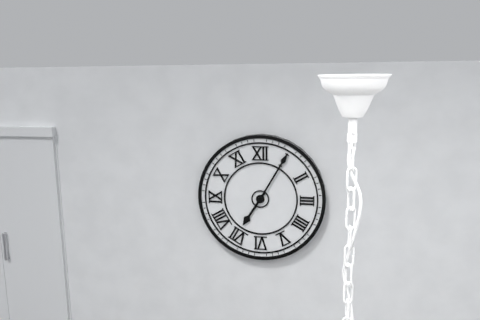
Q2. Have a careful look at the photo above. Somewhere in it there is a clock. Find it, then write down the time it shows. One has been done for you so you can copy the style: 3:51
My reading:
7:05
